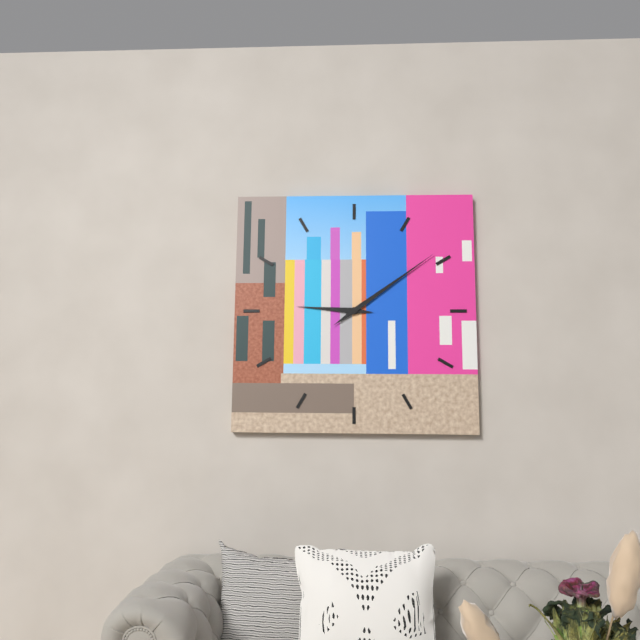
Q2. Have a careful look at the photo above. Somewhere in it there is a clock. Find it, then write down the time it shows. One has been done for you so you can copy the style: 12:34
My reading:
9:09
